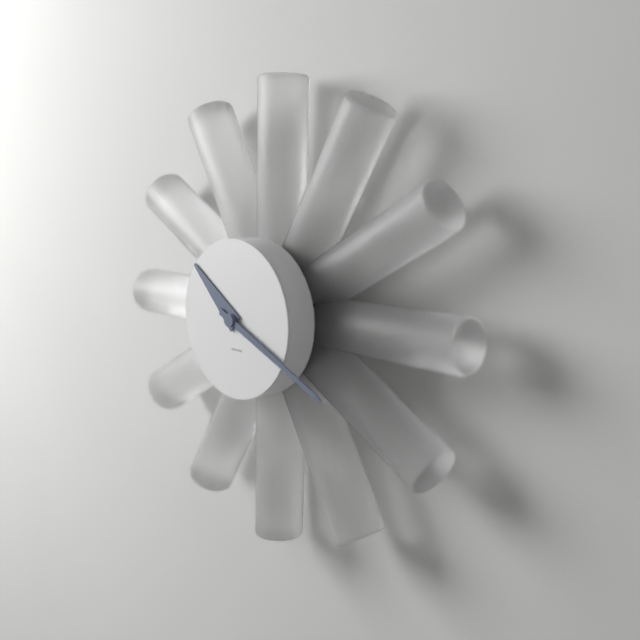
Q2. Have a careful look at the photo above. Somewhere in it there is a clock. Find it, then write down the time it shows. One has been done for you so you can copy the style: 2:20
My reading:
10:19
